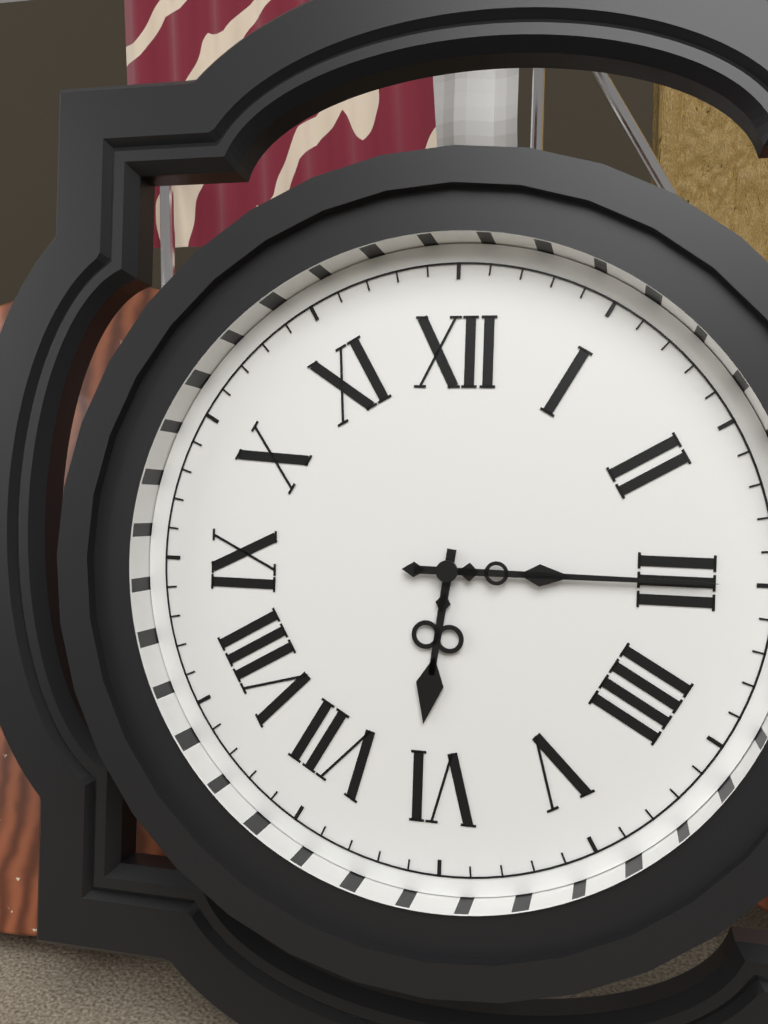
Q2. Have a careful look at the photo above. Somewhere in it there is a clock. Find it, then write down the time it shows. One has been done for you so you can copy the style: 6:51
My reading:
6:15
